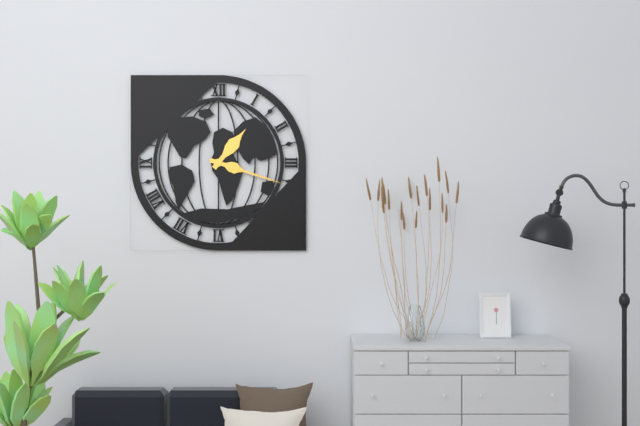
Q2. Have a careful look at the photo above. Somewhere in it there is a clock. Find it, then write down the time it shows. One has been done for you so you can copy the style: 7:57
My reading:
1:18
